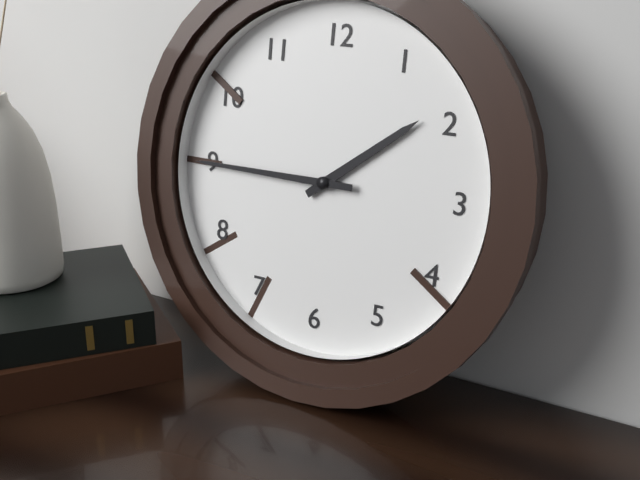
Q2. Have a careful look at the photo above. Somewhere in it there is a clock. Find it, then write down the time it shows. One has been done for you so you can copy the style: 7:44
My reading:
1:45
